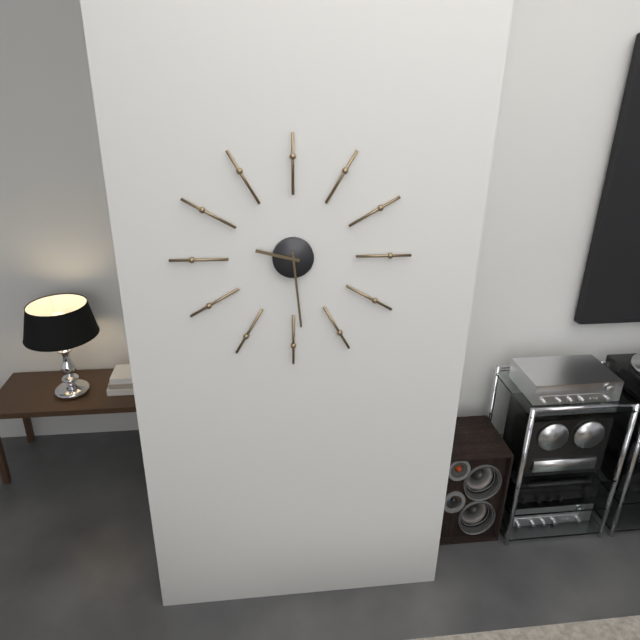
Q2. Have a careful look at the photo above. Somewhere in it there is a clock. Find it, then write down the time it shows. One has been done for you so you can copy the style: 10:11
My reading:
9:29
